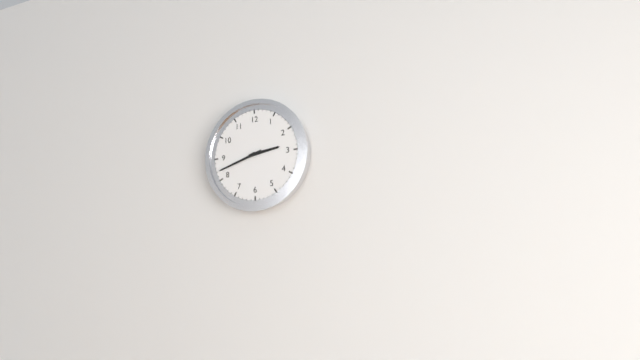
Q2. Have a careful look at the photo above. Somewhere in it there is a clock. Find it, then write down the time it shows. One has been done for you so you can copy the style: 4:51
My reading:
2:42
